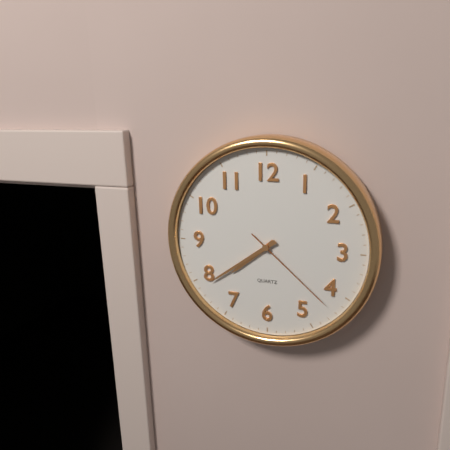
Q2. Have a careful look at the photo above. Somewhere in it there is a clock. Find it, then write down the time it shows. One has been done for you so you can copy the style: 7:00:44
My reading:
7:39:22
